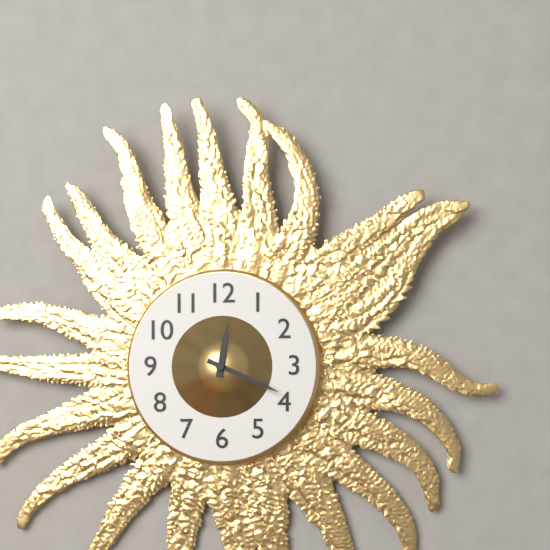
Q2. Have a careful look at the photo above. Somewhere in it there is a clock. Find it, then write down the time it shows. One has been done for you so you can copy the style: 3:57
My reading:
12:19
